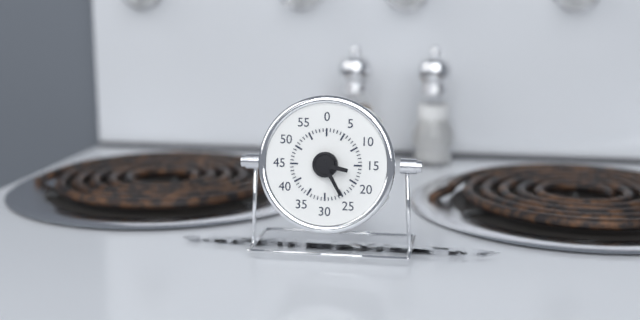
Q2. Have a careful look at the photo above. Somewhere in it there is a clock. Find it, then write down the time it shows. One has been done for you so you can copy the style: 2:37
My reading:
3:25
